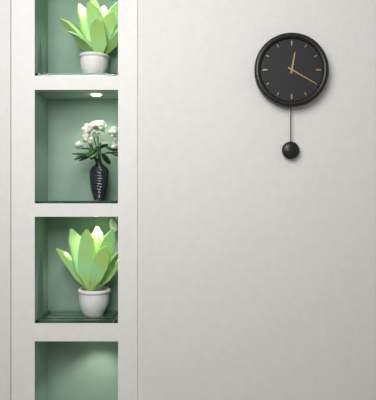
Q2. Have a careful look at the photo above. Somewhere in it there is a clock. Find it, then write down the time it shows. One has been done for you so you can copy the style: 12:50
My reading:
12:20
